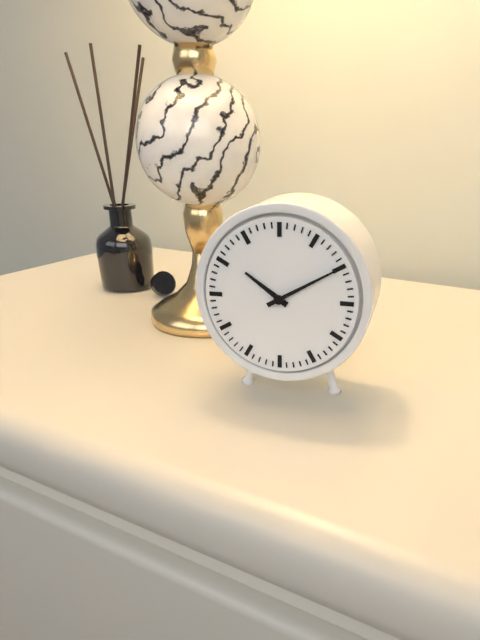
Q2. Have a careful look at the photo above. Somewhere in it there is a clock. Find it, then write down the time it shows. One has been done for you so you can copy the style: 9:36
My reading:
10:10
